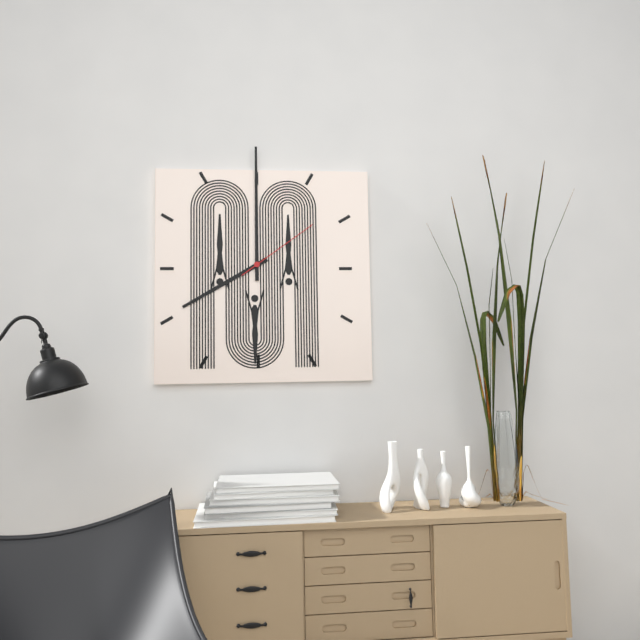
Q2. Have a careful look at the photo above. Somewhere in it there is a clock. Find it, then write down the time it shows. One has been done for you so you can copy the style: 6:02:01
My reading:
8:00:09
